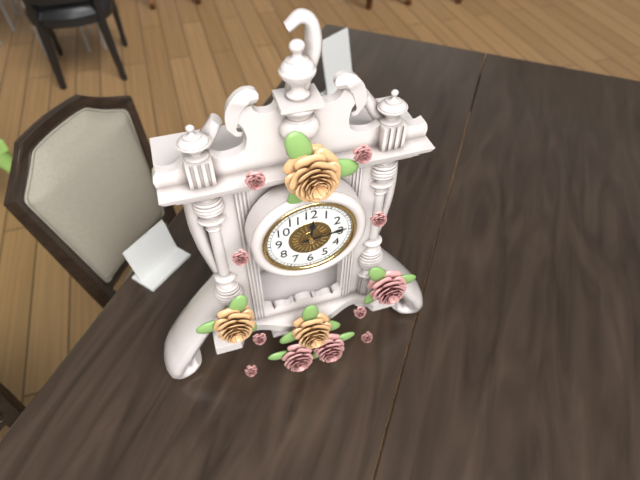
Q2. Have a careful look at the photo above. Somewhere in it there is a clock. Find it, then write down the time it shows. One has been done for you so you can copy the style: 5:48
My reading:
12:14
